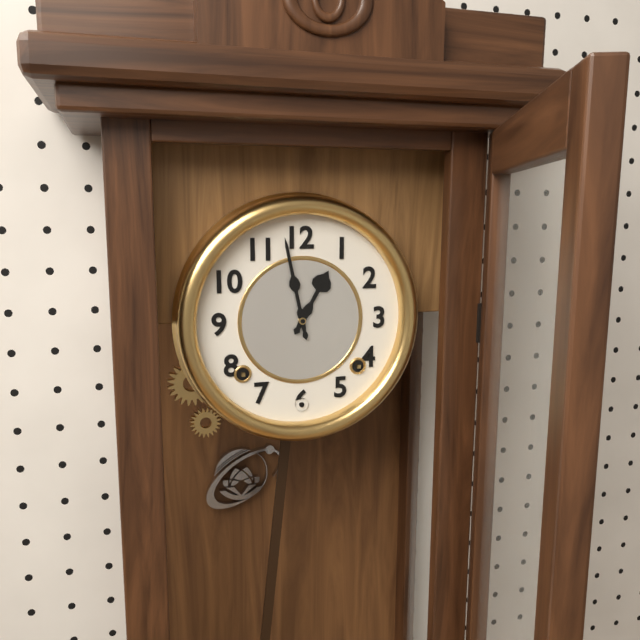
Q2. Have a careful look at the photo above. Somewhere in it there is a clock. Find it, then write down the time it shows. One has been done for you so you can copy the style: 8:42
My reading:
12:58
